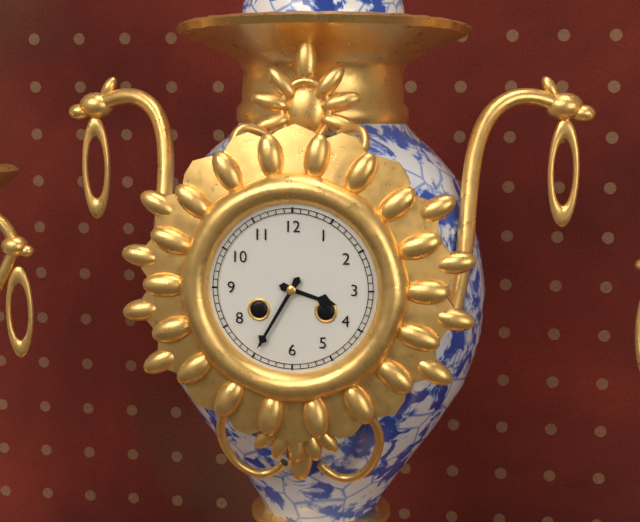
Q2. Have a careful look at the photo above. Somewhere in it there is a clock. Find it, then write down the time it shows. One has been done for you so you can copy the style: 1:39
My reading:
3:35
